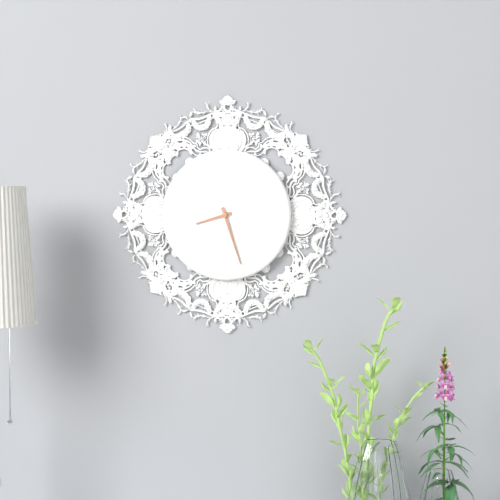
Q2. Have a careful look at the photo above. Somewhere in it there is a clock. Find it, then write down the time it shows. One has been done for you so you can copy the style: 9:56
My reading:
8:27
